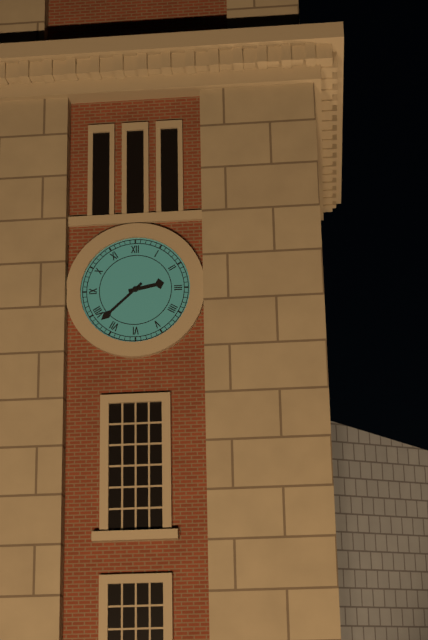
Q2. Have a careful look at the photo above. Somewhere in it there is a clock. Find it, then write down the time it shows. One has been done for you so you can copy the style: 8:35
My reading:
2:38
